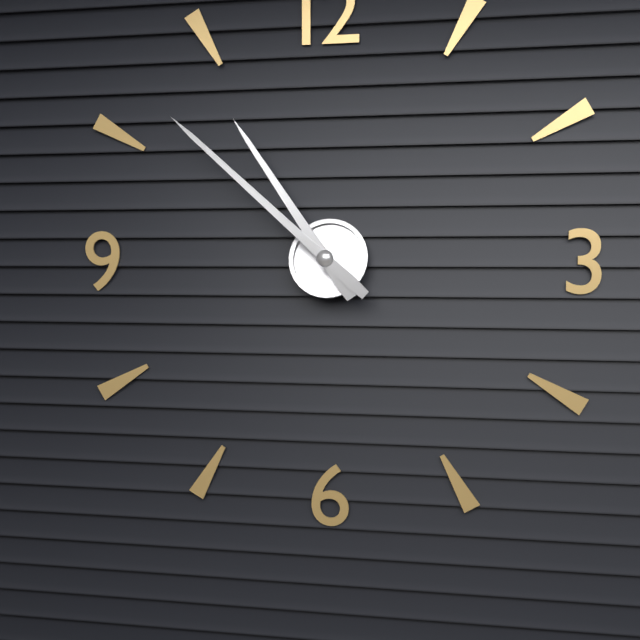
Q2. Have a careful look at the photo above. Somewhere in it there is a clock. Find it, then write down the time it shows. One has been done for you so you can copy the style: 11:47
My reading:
10:52
